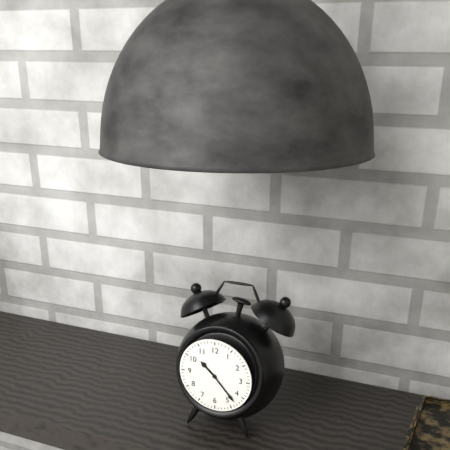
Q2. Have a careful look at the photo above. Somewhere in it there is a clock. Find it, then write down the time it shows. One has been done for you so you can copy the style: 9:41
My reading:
10:23
